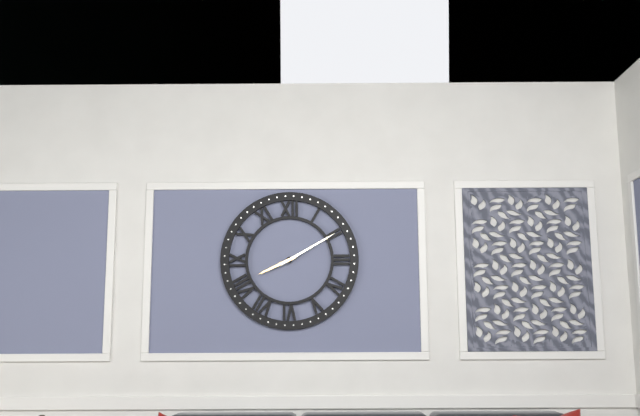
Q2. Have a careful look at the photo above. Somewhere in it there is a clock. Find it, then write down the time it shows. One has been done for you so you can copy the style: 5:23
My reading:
8:10
